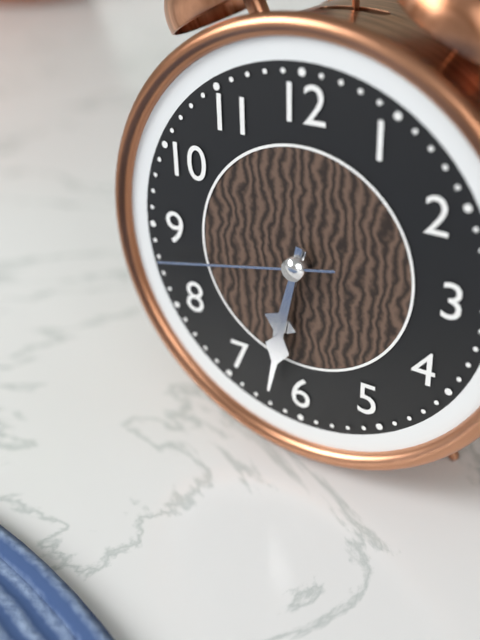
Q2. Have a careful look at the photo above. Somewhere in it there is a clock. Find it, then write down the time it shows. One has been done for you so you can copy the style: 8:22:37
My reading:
6:32:43
